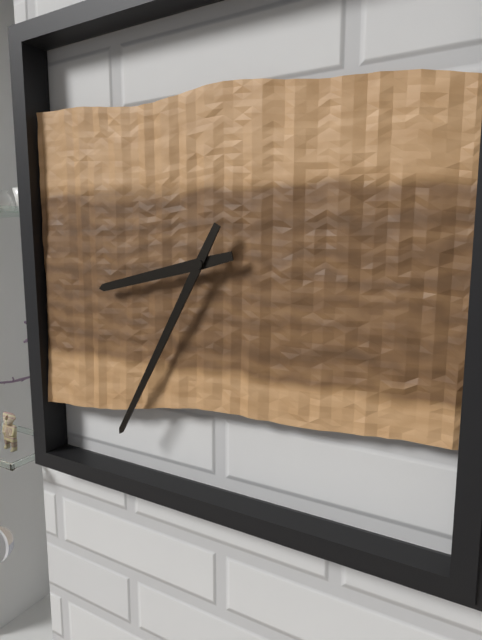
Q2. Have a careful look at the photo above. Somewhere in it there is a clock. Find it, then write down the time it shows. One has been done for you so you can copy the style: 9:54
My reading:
8:35
